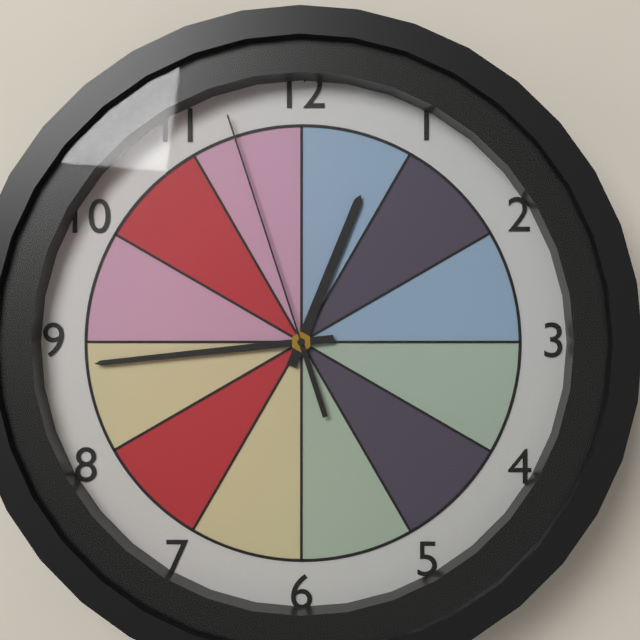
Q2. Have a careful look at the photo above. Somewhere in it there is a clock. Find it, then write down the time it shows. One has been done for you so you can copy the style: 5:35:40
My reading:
12:44:57
